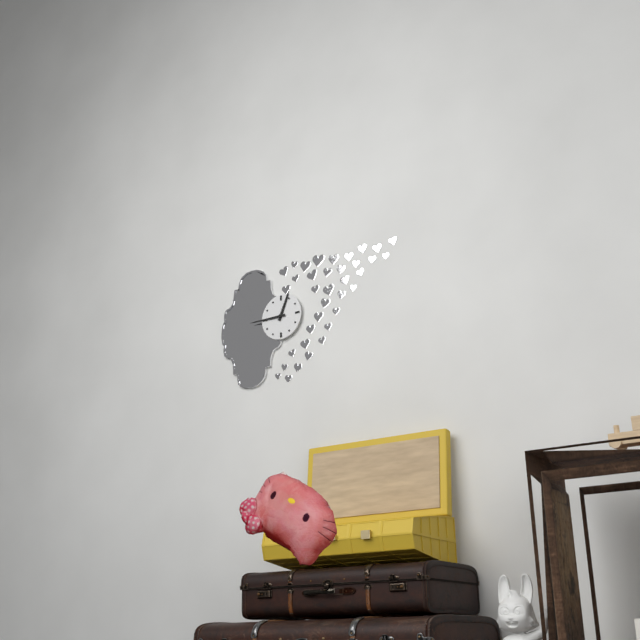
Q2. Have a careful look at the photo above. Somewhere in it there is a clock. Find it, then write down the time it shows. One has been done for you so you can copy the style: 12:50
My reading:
12:45
